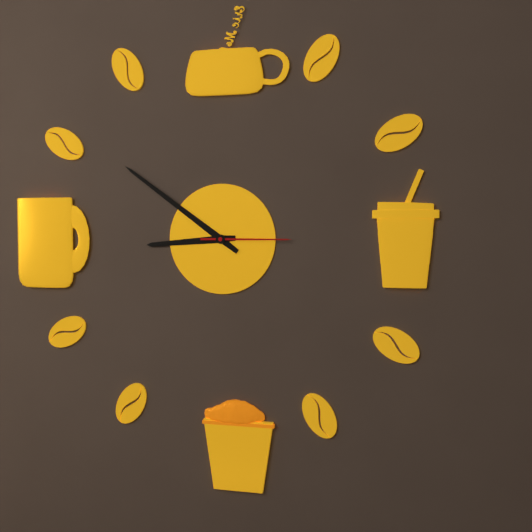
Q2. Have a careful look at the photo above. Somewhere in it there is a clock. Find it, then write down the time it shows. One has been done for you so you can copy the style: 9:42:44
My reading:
8:51:15
